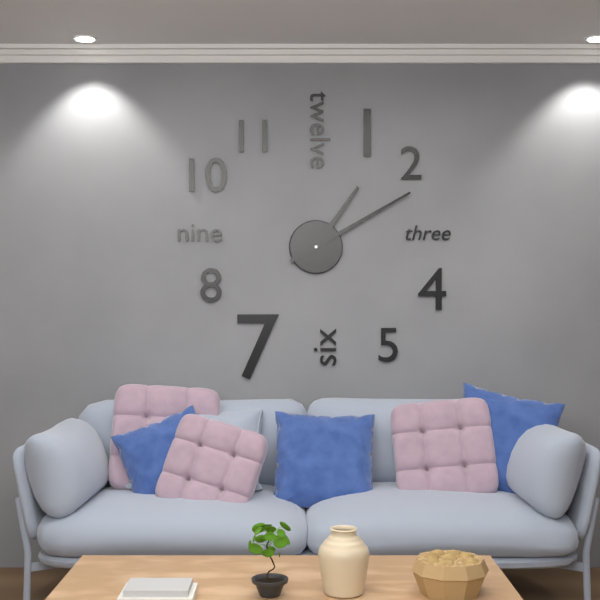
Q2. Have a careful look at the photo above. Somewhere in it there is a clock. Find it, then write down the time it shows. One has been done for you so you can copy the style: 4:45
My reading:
1:10
